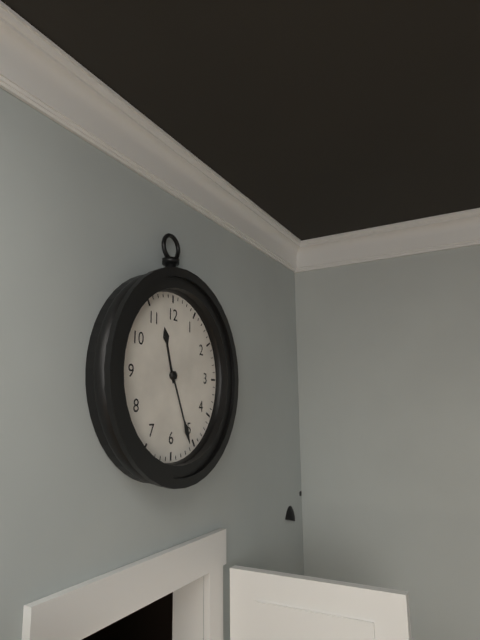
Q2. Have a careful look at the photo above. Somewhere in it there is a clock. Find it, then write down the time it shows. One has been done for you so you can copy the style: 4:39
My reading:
11:26
